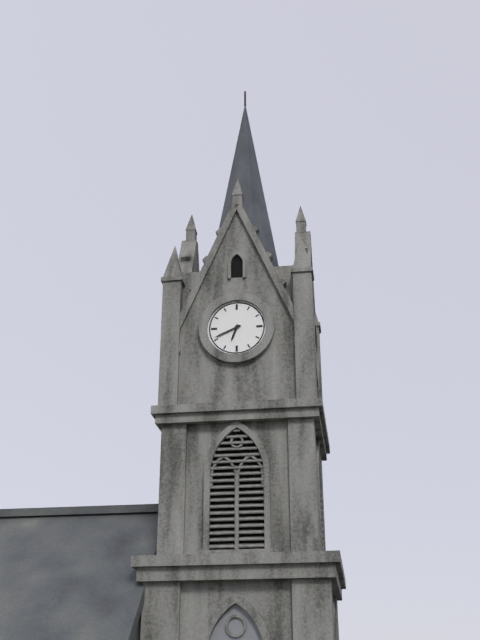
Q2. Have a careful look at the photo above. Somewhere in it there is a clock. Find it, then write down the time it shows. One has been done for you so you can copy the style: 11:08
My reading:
6:41
